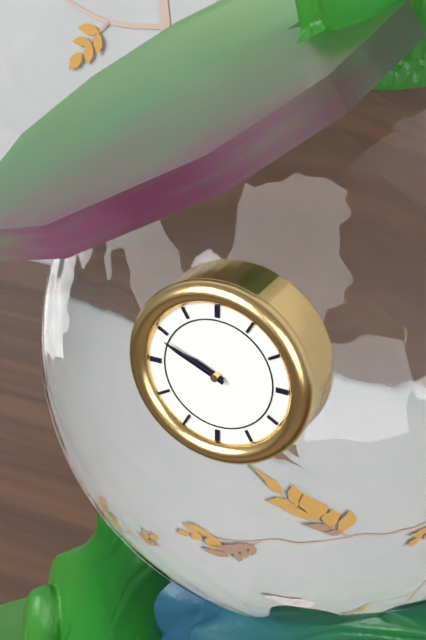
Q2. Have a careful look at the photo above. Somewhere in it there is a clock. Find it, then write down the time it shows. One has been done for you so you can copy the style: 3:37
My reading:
9:49
